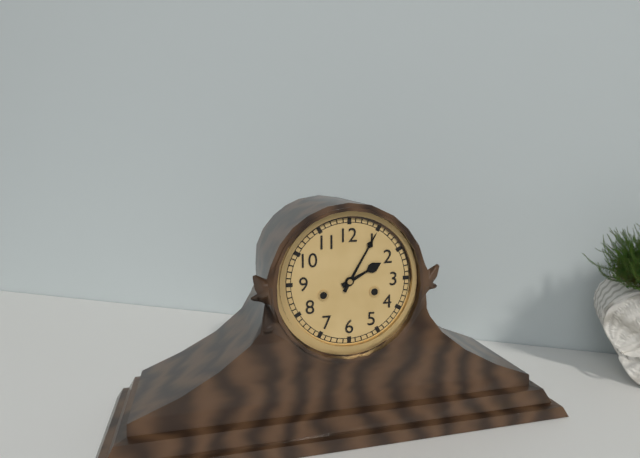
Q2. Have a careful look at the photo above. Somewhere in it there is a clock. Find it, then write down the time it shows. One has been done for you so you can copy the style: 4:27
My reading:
2:05
